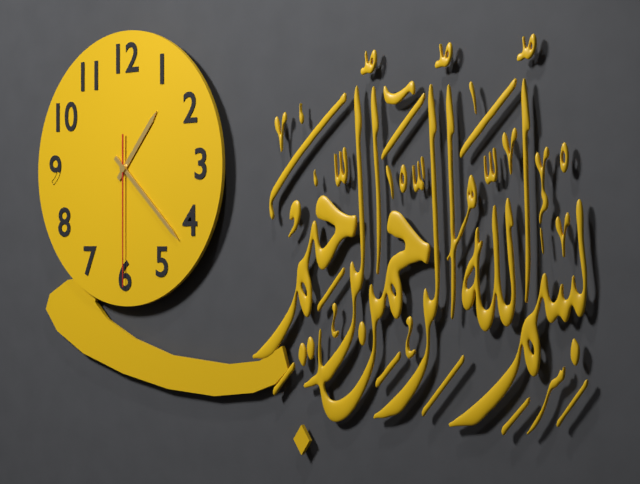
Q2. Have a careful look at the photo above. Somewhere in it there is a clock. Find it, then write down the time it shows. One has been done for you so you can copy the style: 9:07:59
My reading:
1:22:30
